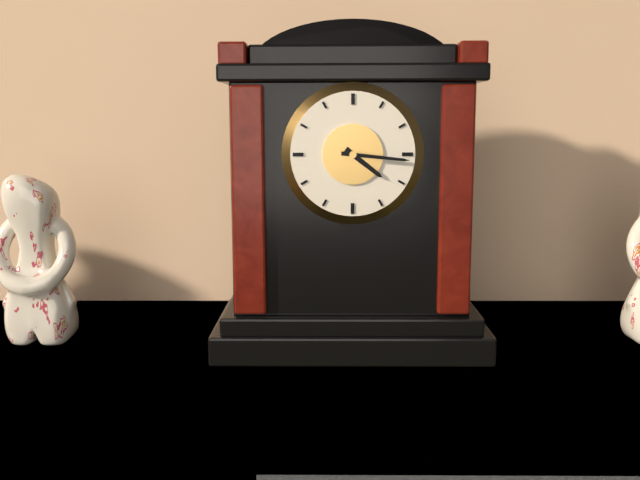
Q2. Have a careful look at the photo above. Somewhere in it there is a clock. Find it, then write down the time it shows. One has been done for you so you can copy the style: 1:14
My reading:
4:16
